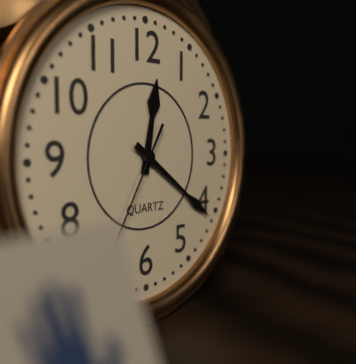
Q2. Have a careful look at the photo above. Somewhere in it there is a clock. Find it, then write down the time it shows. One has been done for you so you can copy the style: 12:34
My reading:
12:21
